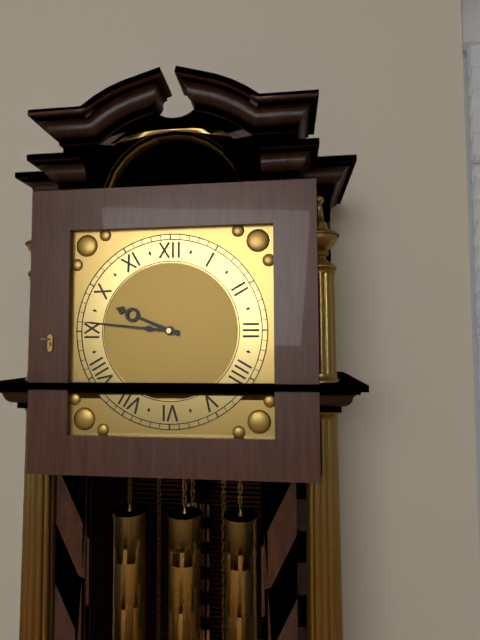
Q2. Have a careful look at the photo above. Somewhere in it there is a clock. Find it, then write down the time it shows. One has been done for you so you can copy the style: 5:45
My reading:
9:46
